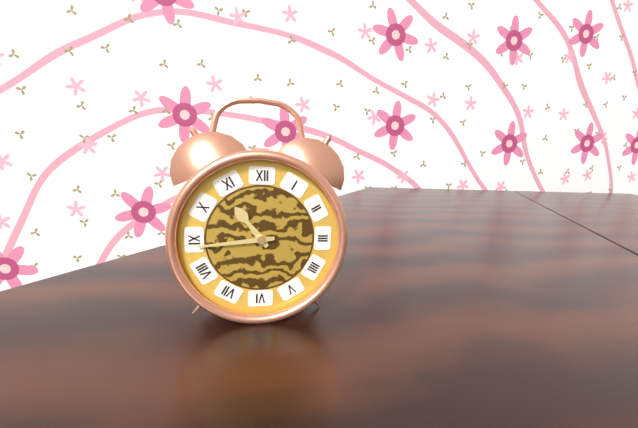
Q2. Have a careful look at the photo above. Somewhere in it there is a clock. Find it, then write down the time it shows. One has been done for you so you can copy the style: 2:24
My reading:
10:44
